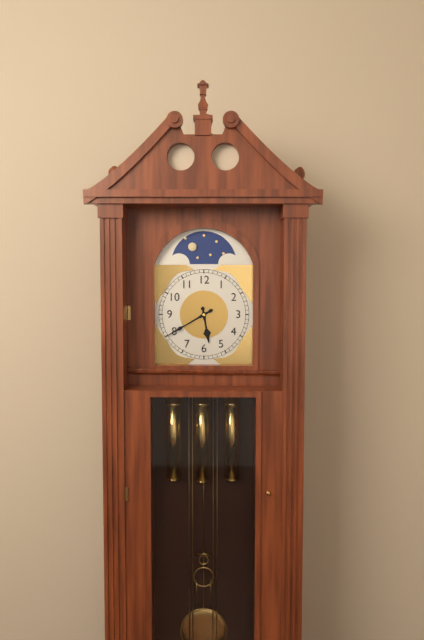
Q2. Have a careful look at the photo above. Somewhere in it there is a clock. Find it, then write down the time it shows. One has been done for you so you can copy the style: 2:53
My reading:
5:40
